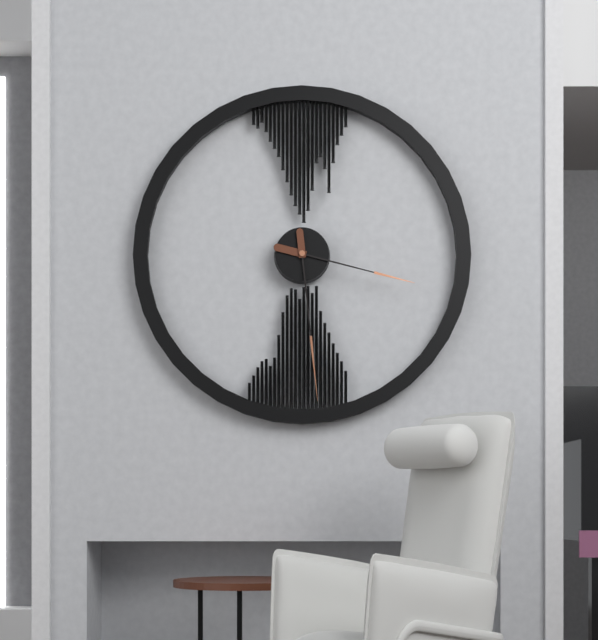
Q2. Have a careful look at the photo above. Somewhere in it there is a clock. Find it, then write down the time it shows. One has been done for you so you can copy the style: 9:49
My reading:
3:29
